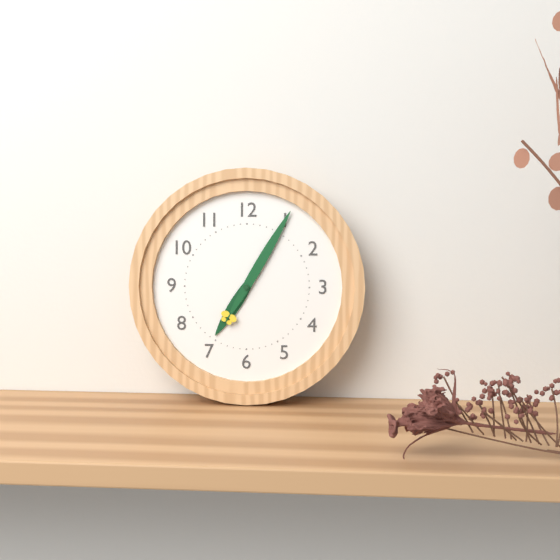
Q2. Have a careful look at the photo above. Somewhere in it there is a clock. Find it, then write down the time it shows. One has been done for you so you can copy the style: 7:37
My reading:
7:05
